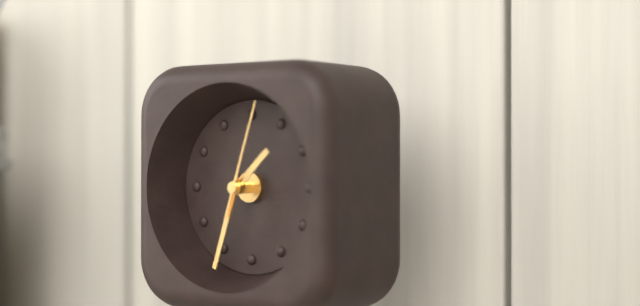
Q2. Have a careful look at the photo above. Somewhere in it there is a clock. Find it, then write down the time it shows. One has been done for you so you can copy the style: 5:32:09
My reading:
1:33:03
